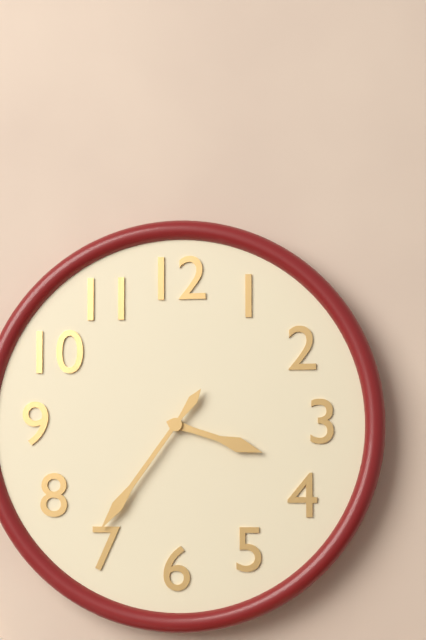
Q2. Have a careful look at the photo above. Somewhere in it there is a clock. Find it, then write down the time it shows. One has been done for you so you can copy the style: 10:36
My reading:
3:36
